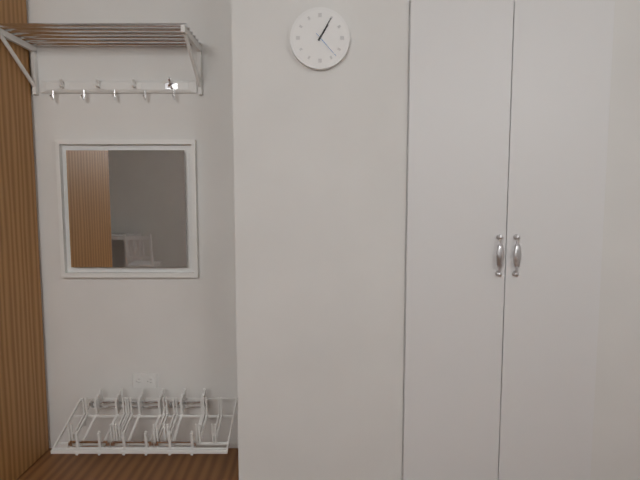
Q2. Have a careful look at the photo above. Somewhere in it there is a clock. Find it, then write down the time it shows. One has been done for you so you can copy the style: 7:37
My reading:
1:05
